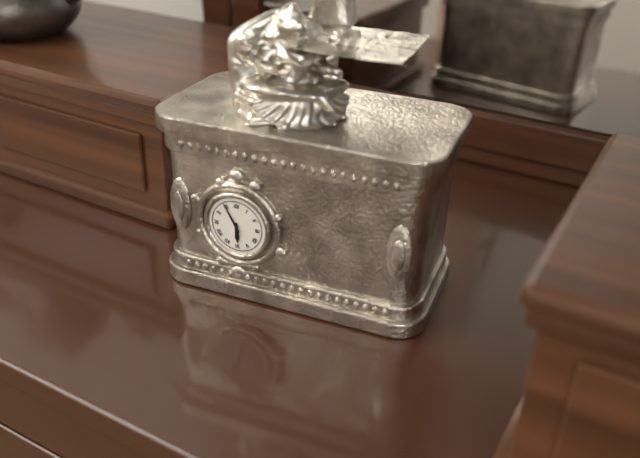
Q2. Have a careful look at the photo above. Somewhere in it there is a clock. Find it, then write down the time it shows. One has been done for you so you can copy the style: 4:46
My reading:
5:55
